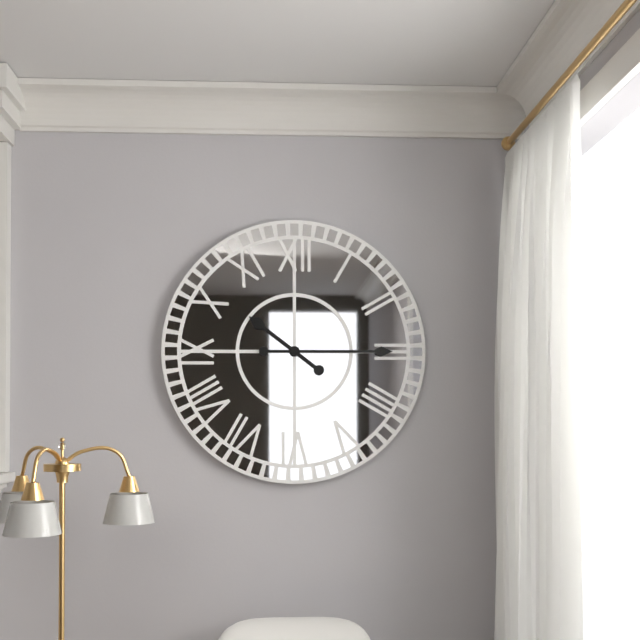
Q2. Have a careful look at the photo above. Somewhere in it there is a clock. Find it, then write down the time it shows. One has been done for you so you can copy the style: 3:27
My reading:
10:15
